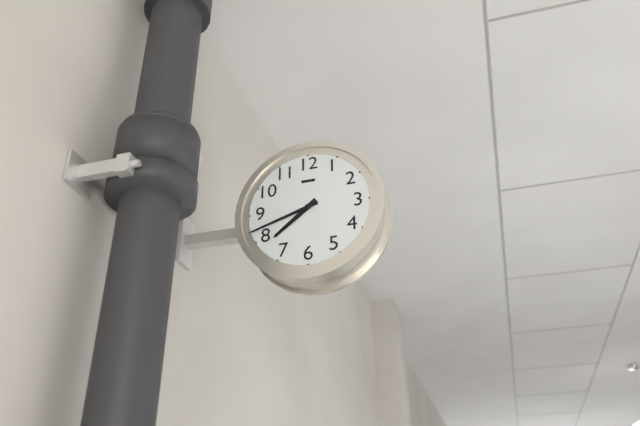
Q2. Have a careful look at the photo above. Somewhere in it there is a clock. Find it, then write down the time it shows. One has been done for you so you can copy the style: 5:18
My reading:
7:42
